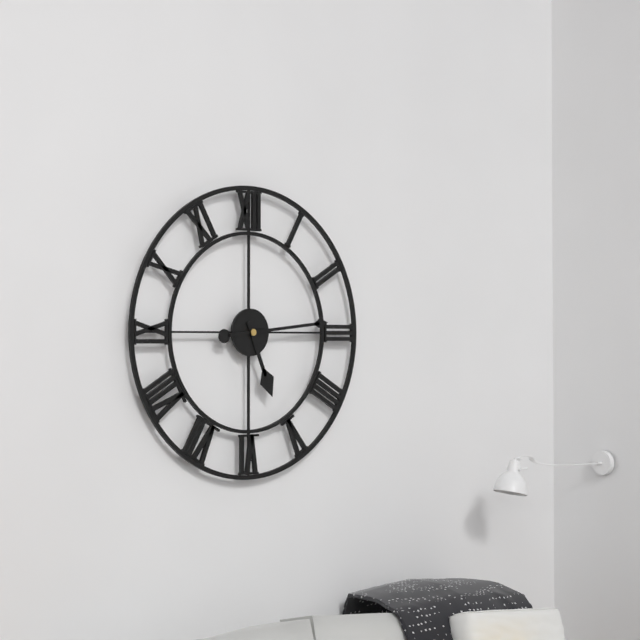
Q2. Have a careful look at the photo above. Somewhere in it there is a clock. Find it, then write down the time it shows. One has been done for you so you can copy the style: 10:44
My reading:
5:14
